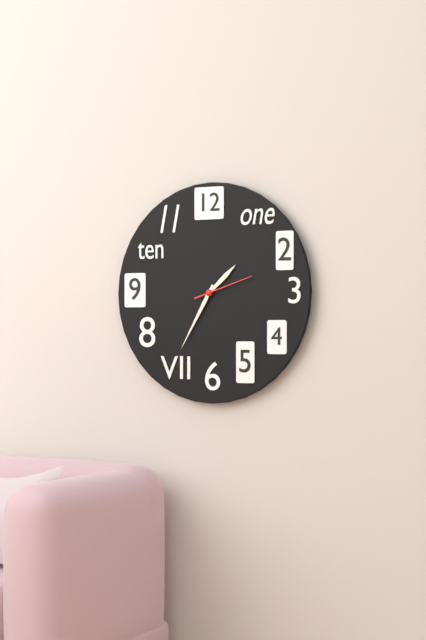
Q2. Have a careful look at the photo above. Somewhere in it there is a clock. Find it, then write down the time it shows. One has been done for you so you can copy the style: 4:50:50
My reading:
1:35:12
